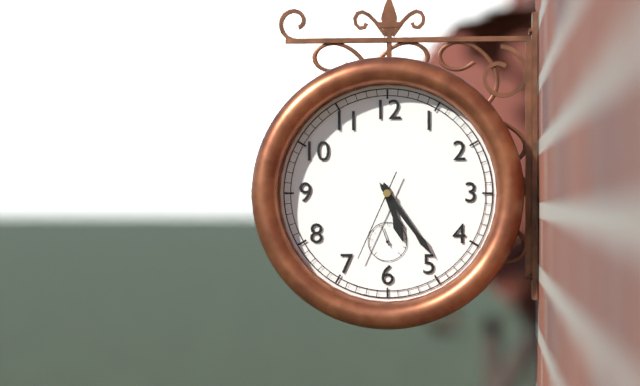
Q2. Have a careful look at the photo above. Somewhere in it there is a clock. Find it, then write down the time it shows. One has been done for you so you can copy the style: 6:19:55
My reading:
5:24:34
